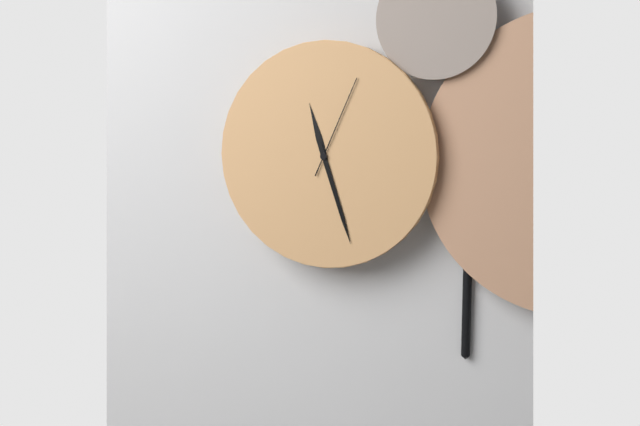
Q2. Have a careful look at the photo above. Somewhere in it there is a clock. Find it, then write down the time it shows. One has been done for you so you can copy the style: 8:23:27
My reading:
11:27:04
